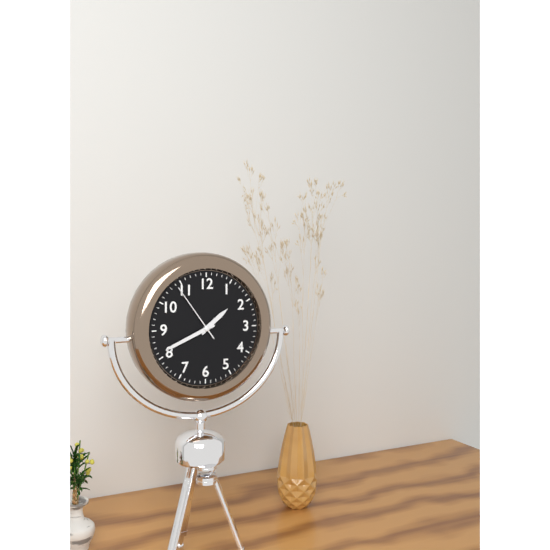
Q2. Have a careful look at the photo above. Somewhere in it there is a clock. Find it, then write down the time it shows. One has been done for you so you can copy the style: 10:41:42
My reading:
1:41:54
